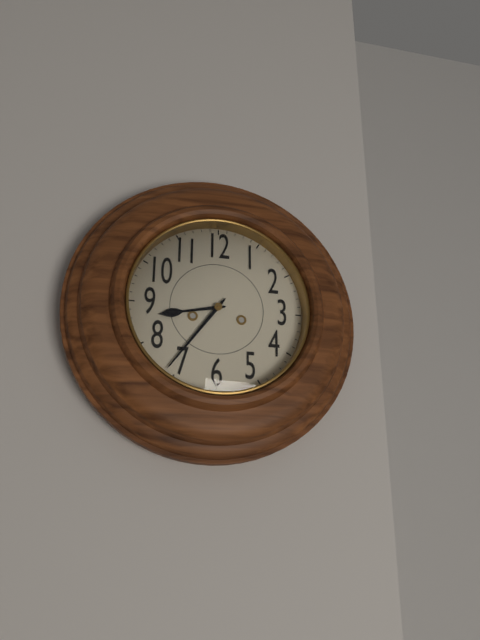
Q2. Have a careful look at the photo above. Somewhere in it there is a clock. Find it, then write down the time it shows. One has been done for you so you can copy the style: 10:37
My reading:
8:36
